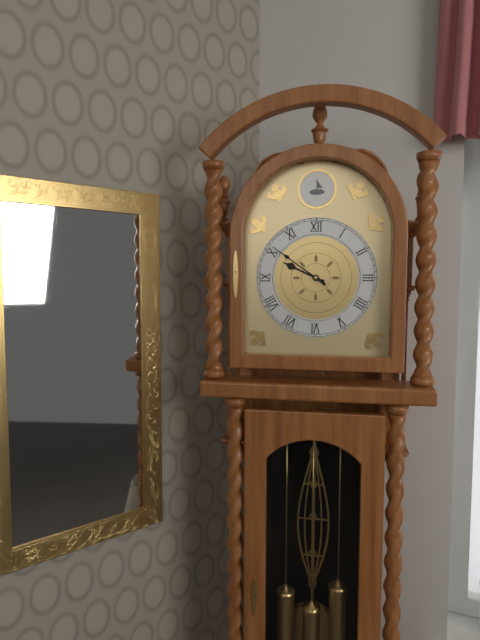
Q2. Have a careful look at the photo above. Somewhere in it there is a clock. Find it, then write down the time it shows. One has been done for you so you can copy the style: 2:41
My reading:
9:51
